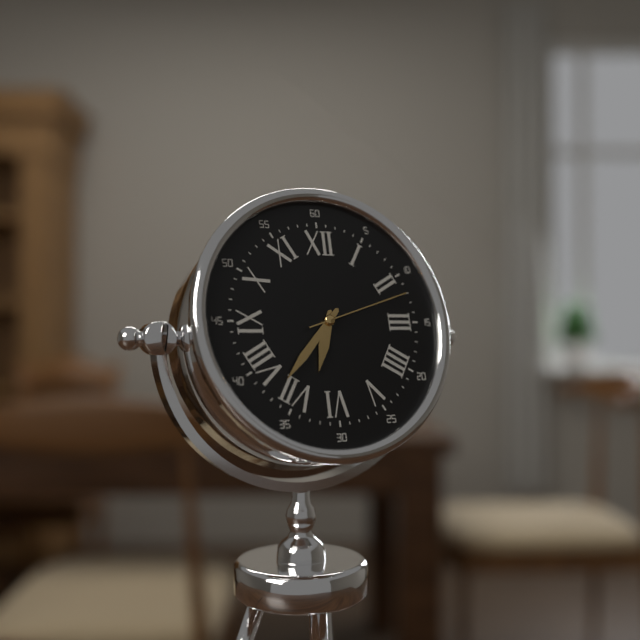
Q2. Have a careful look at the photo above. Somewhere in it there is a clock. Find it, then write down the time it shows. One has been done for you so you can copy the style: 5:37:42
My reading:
6:37:12
